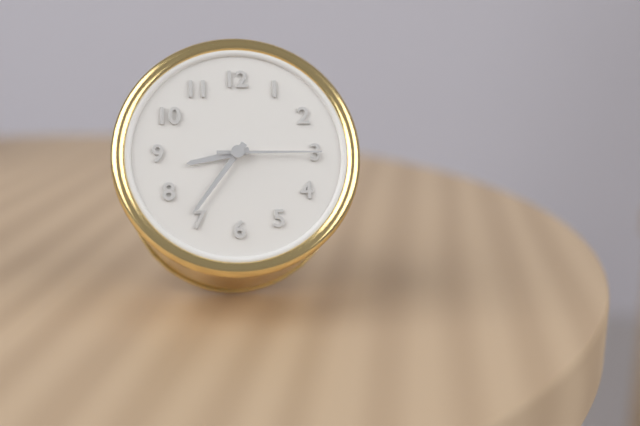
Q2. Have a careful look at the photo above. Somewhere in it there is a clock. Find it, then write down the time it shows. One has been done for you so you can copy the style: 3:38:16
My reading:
8:36:15
